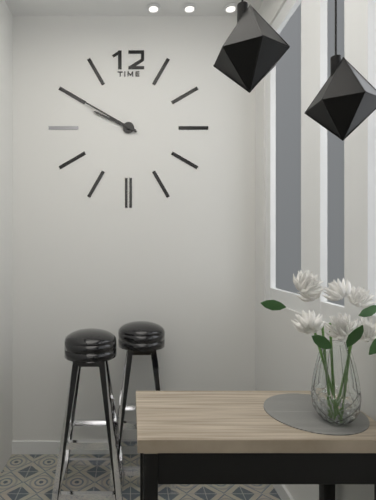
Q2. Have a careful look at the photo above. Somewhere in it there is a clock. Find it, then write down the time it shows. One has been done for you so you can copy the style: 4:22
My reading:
9:50
